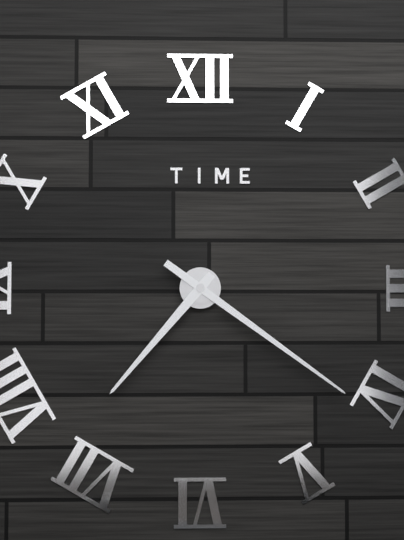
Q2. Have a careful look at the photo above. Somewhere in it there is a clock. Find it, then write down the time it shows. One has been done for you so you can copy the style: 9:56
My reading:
7:21
